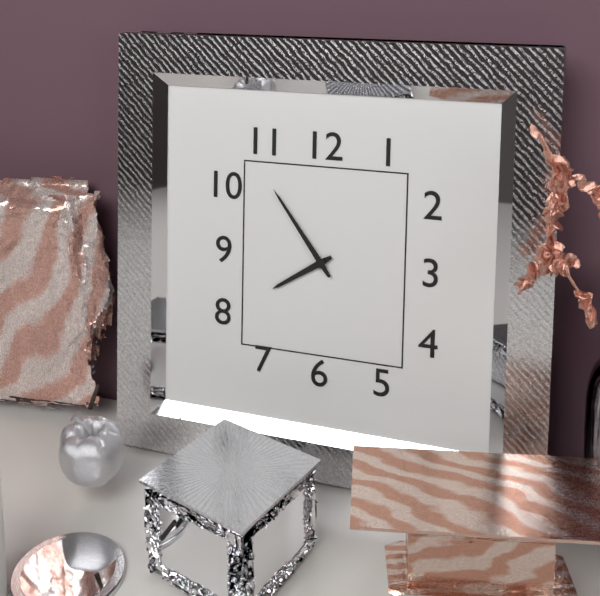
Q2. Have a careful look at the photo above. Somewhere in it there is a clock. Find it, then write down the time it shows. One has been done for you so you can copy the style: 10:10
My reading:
7:54
